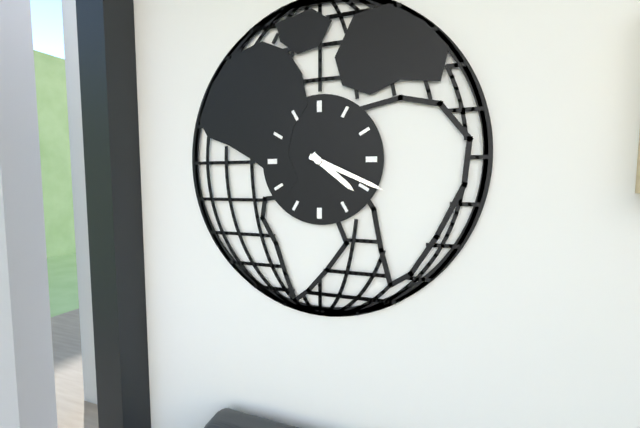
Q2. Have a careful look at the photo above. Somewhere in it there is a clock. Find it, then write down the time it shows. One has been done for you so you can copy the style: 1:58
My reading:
4:19
